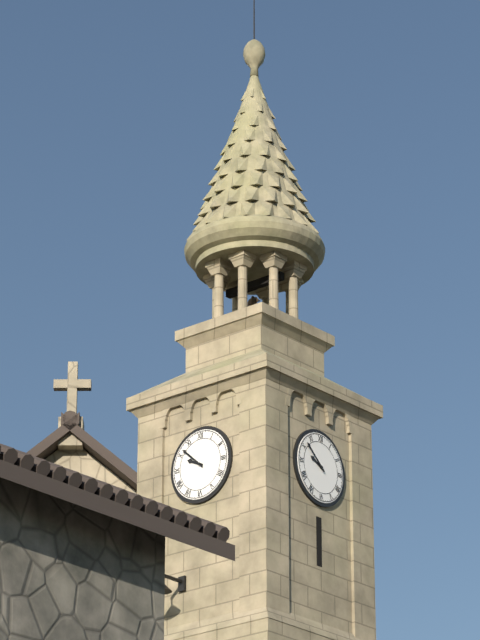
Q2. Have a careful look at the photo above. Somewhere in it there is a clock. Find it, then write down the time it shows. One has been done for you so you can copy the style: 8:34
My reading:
9:52
